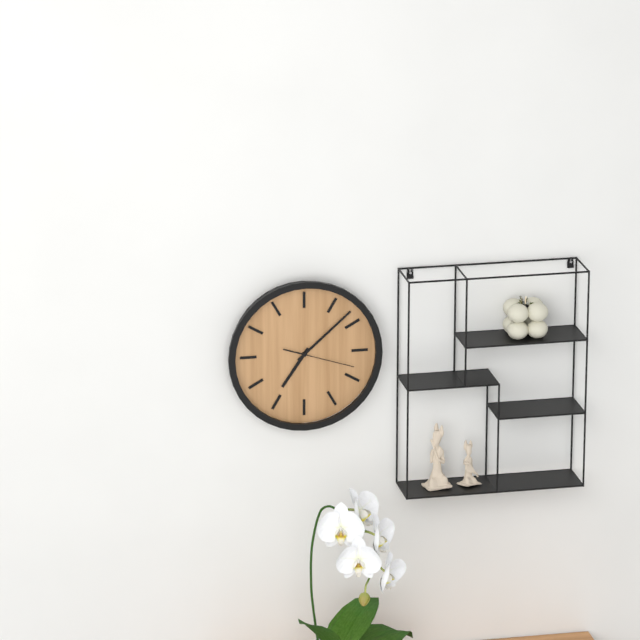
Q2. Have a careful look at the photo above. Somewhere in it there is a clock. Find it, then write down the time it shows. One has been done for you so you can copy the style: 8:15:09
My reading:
7:08:18
